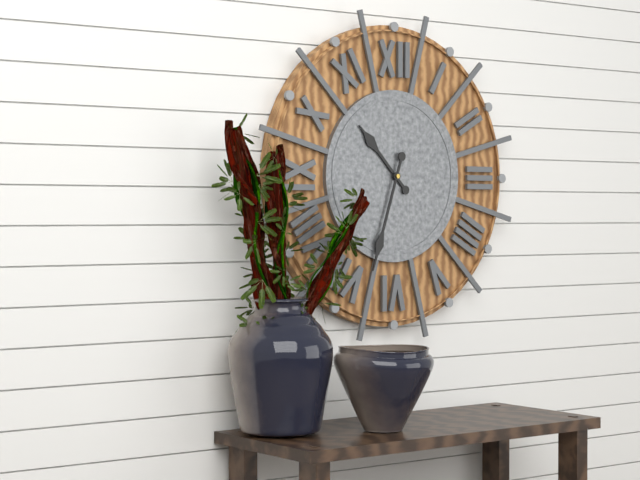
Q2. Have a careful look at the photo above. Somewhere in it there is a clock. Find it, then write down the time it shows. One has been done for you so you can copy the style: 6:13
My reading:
10:33
